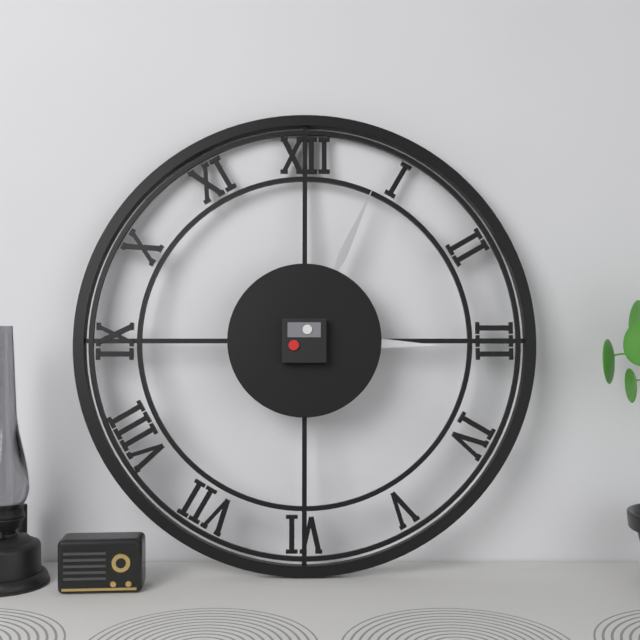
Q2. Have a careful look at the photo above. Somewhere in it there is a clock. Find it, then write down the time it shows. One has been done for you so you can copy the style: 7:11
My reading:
3:04
